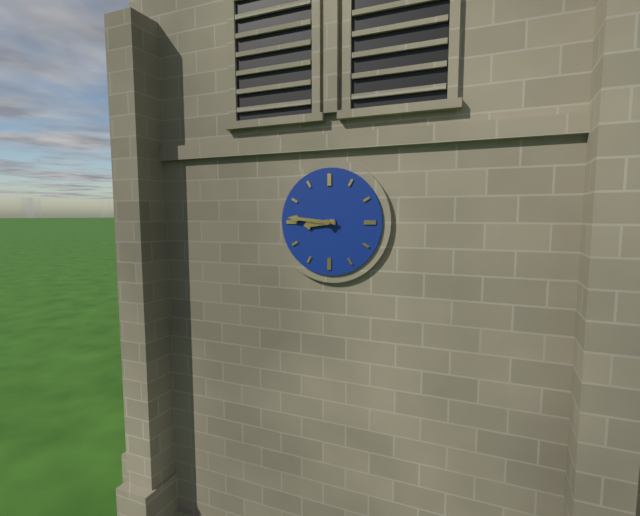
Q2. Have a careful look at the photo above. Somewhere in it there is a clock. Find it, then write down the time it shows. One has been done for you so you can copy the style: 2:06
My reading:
8:46
